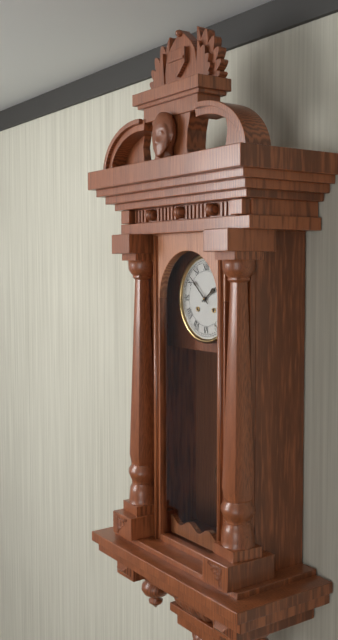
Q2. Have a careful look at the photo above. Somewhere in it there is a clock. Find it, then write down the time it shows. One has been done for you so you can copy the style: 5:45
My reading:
1:52
